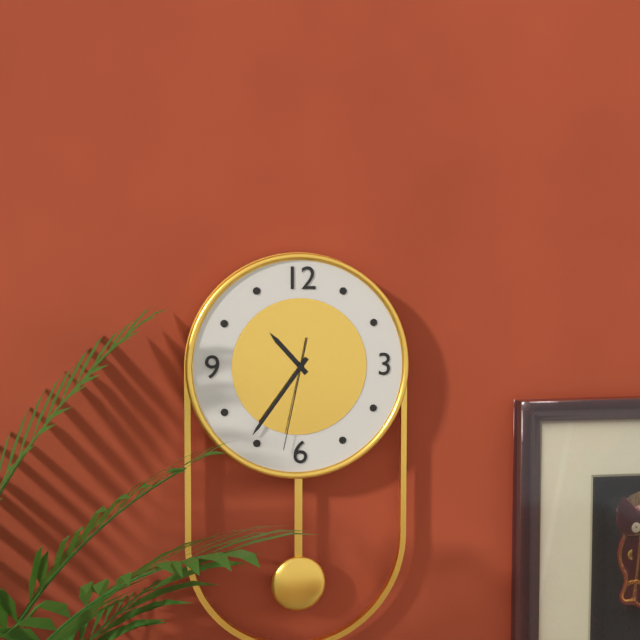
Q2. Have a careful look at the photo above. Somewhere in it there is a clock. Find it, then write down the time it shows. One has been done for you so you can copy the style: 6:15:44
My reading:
10:36:32
